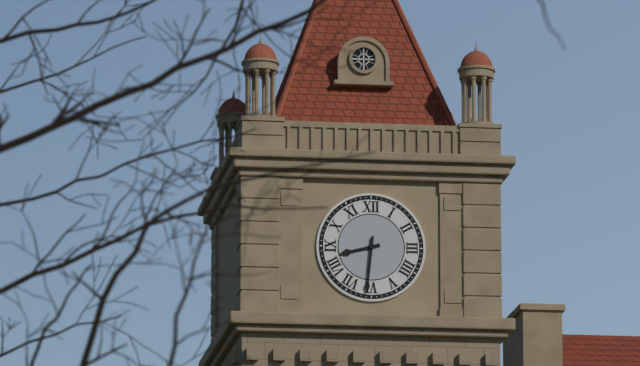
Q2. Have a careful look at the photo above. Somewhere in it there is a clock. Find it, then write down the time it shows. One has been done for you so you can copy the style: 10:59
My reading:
8:31
